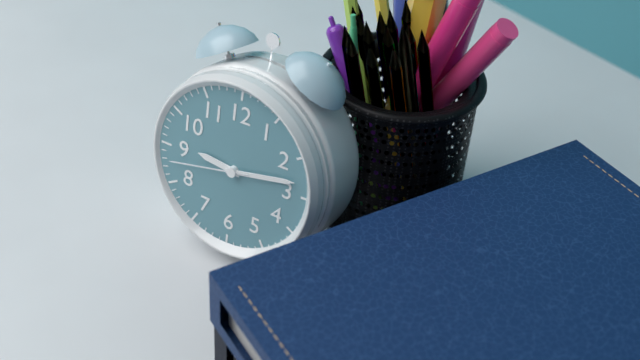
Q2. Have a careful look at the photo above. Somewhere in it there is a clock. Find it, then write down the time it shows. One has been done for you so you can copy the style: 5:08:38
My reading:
9:13:43
